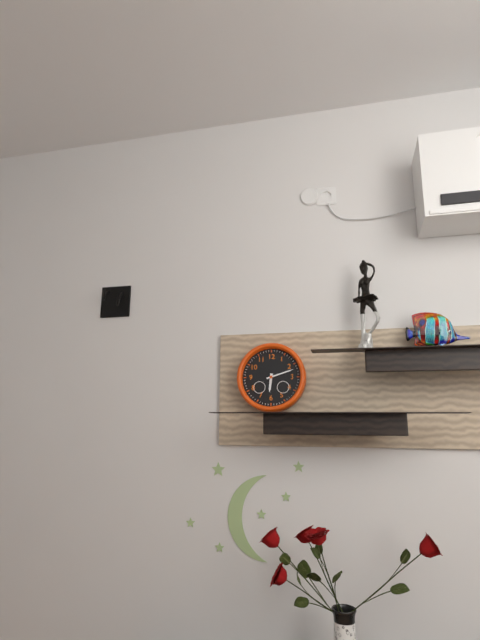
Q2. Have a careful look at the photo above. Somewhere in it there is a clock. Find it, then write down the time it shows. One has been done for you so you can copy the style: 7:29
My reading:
6:12
